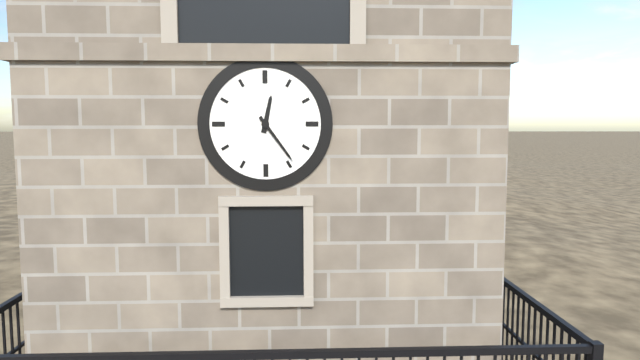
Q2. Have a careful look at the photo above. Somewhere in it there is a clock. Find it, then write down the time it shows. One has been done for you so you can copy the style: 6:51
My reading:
12:24
